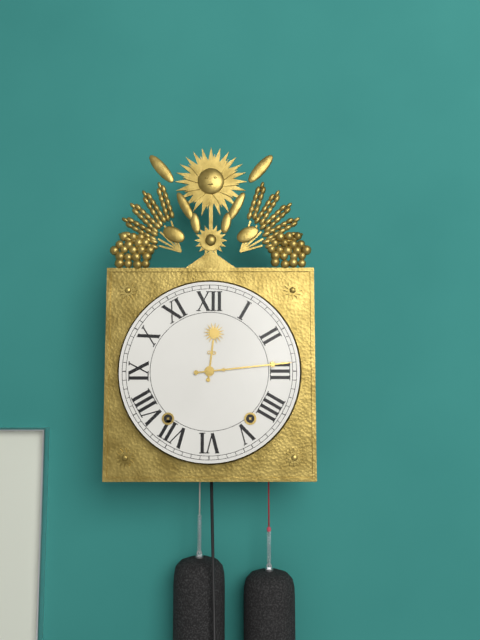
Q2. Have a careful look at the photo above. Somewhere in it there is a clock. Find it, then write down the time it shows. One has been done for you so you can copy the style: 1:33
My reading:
12:14
